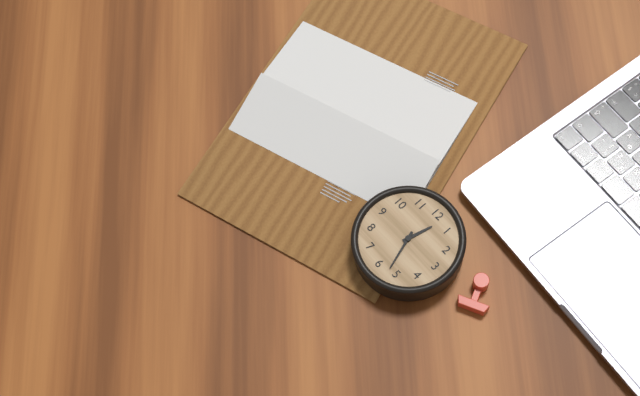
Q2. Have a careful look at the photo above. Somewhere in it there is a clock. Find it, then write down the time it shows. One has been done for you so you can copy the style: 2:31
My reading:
12:27
